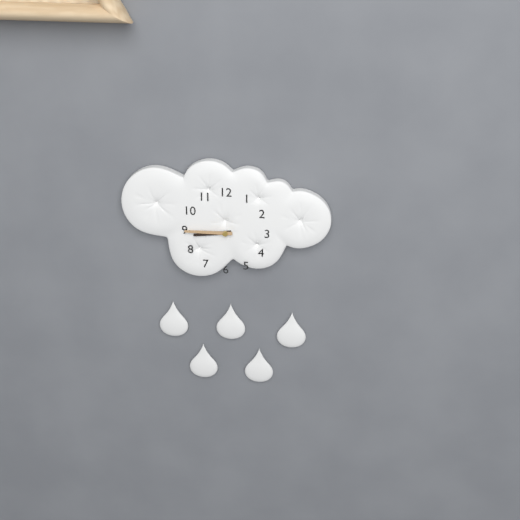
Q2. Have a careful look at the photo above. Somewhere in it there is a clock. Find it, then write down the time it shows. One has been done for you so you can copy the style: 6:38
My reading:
8:45
